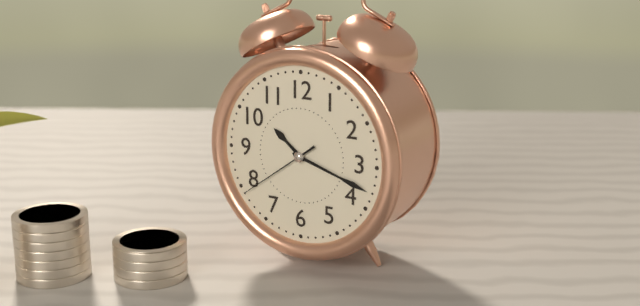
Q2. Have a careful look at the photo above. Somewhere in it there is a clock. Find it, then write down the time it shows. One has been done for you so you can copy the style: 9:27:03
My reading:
10:18:39
